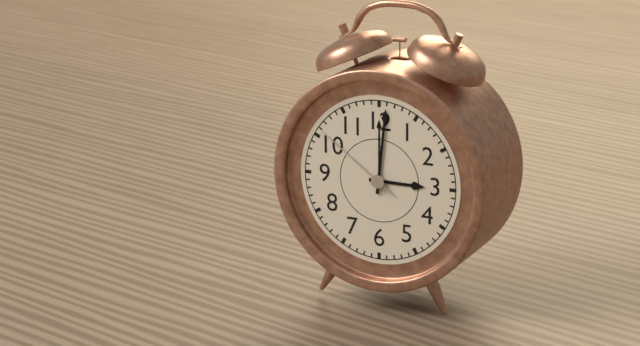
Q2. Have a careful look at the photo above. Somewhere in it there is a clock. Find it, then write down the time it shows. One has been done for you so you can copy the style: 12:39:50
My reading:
3:01:51
